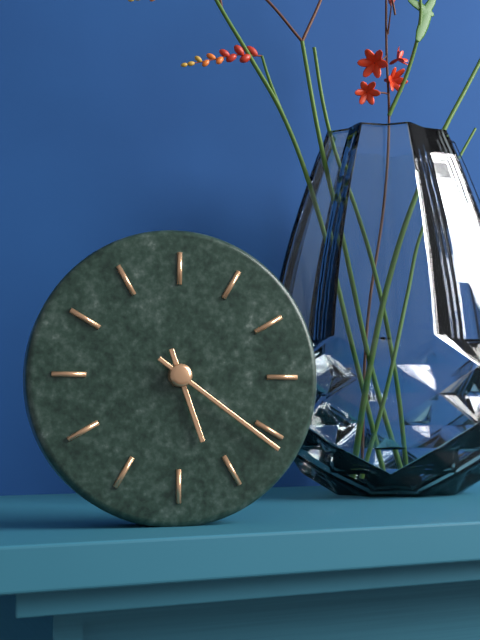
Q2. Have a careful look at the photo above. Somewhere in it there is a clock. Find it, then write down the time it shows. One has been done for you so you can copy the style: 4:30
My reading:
5:21
